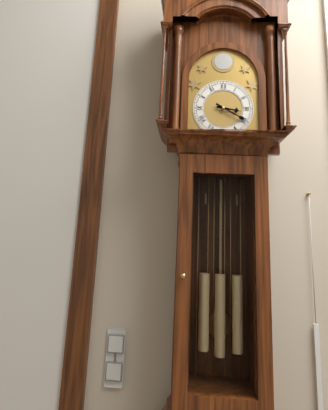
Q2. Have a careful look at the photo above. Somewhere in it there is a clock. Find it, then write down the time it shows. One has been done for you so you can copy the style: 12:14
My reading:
3:20
